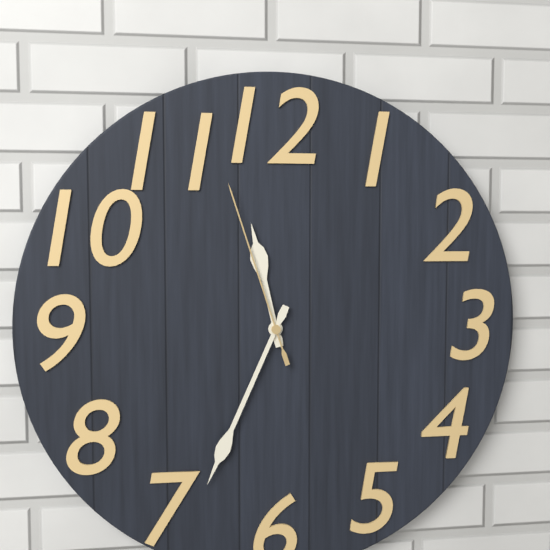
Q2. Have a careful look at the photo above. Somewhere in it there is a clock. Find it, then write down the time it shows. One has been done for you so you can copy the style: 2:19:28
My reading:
11:34:57
